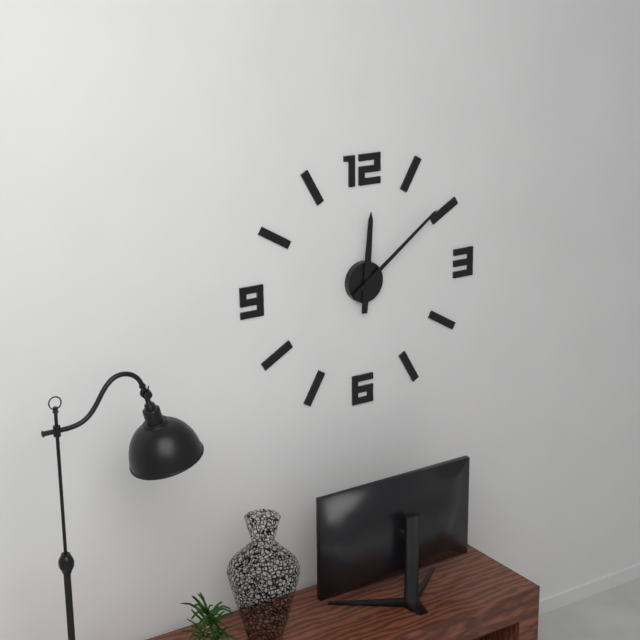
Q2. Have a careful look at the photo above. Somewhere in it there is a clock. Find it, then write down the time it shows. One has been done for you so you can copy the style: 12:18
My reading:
12:09
